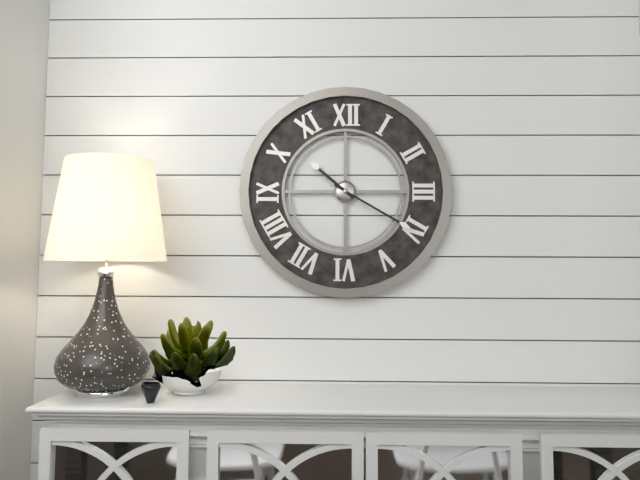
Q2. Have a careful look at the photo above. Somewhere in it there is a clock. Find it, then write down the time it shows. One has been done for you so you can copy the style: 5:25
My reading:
10:20
